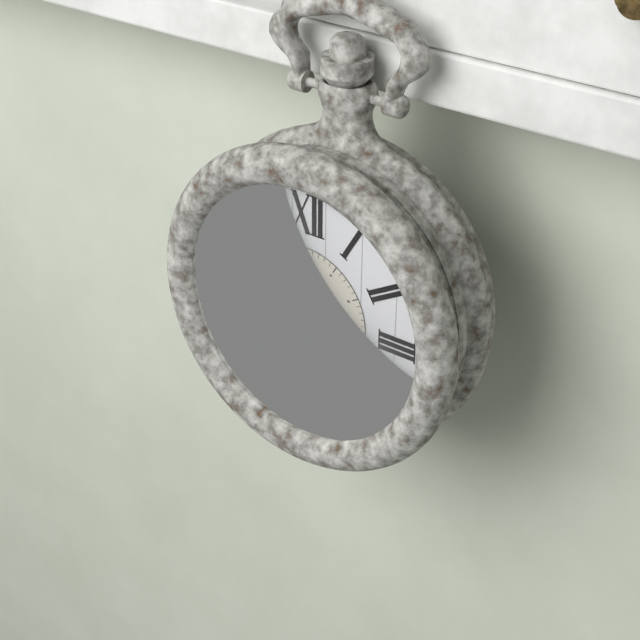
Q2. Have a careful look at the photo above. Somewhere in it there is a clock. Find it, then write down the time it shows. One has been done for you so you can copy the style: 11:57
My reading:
9:55
